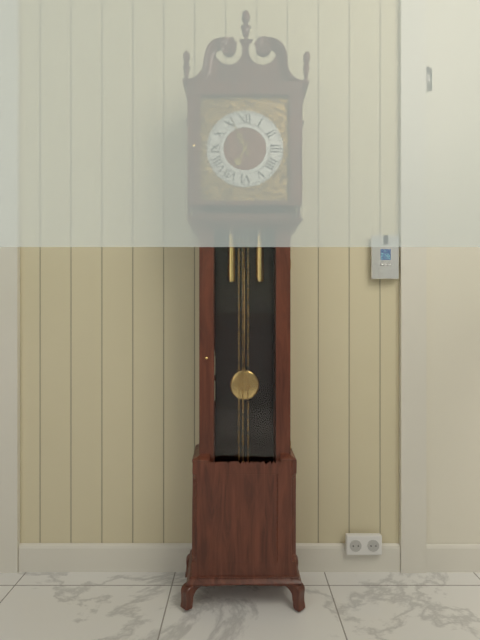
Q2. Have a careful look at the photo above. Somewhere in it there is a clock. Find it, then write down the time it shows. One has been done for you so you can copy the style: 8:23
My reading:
6:56
